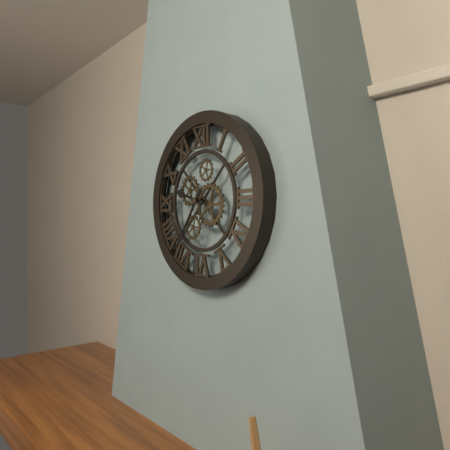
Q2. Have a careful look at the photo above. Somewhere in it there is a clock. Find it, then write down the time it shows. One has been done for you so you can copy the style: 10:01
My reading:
9:36
